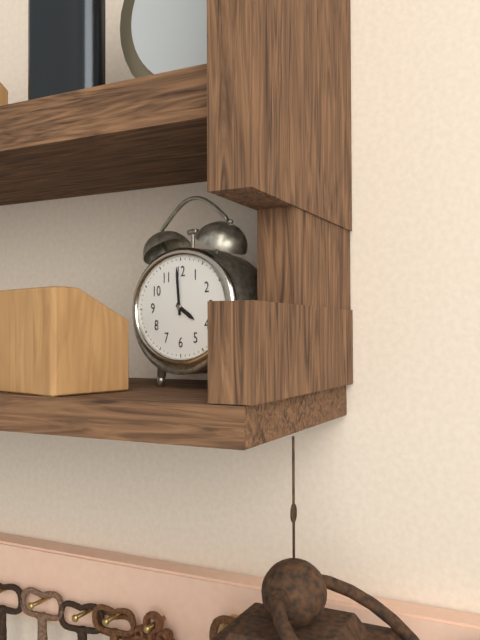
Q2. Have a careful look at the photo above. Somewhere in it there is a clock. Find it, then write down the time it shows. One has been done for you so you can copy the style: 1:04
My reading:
3:59
